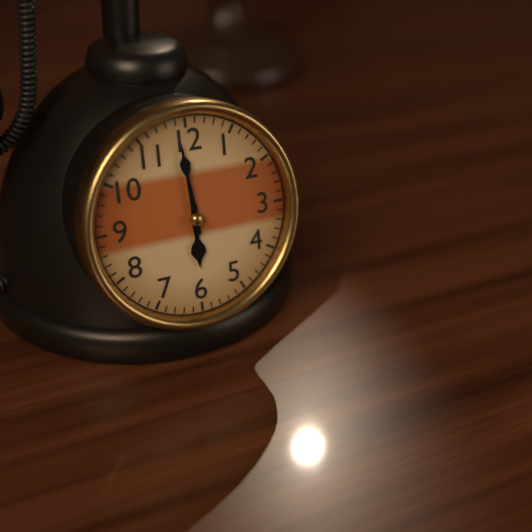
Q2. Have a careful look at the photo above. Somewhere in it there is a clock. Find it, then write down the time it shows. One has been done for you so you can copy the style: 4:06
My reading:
5:59
